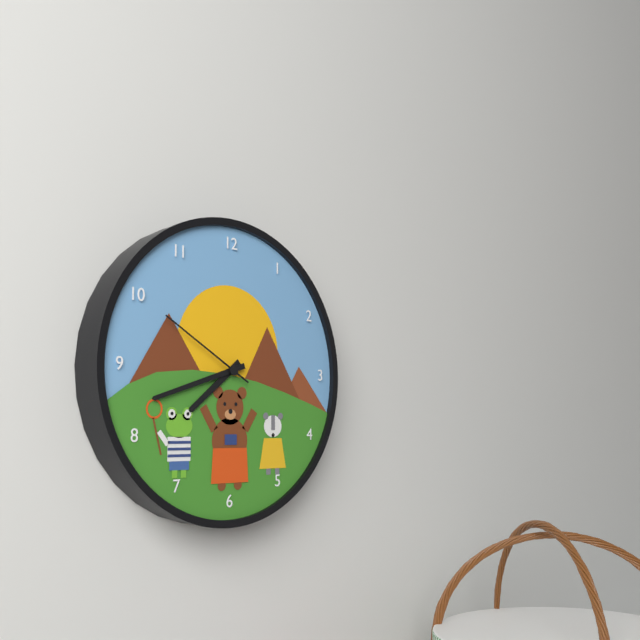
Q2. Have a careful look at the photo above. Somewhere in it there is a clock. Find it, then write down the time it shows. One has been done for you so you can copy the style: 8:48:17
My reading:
7:42:50
